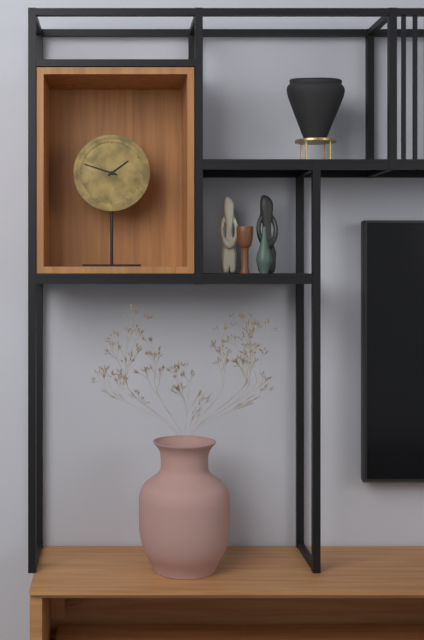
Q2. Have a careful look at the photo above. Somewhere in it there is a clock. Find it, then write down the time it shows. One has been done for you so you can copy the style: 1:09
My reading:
1:48
